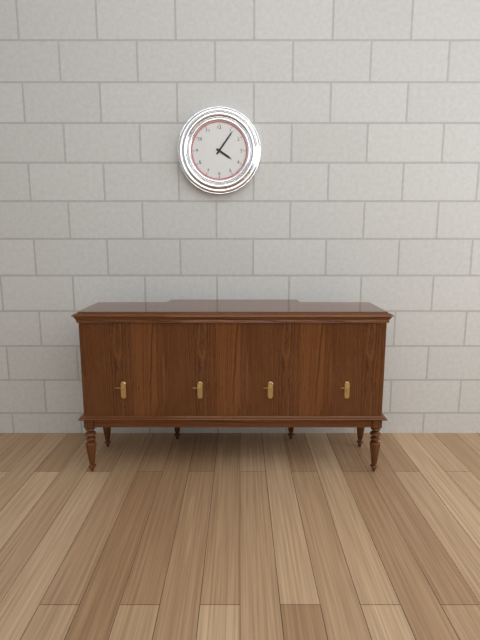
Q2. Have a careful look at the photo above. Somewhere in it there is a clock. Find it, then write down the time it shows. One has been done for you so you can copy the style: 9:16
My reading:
4:06
